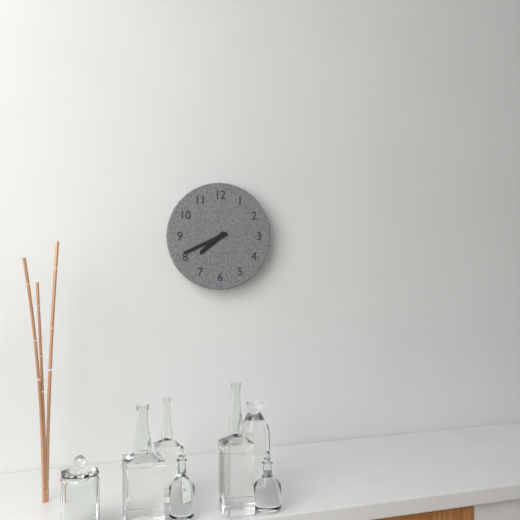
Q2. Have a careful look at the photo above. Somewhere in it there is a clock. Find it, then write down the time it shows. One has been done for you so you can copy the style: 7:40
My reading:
7:41
